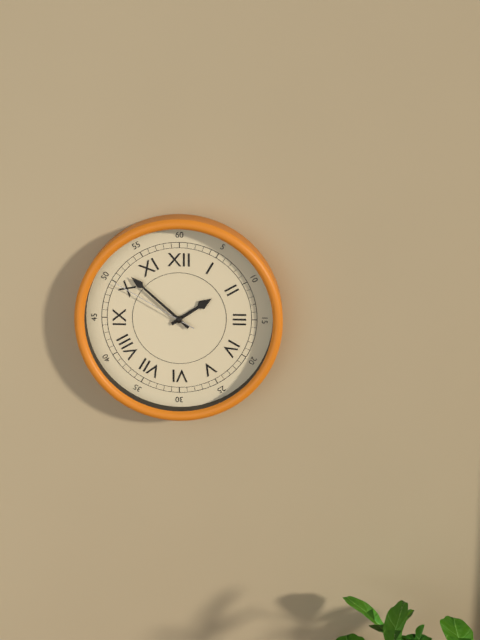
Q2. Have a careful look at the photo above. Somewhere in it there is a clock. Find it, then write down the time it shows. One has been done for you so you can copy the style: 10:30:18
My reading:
1:52:50
